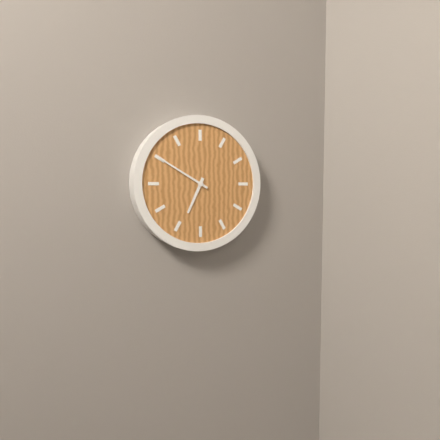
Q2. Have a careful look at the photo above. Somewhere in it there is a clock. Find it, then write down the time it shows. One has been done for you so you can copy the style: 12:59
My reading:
6:50
